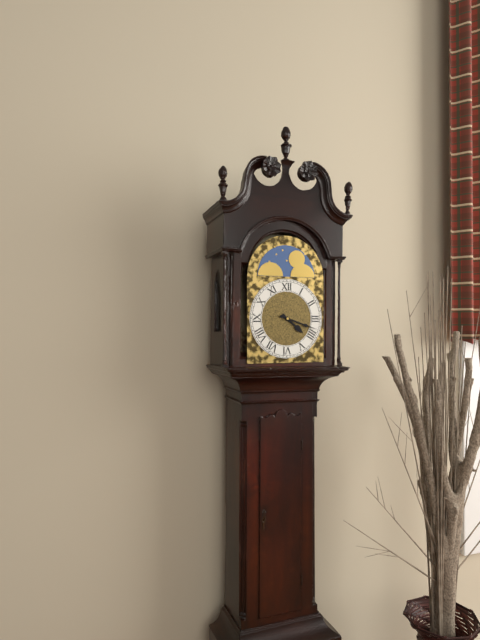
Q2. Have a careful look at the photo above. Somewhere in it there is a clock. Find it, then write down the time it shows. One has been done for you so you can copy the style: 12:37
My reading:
4:18
